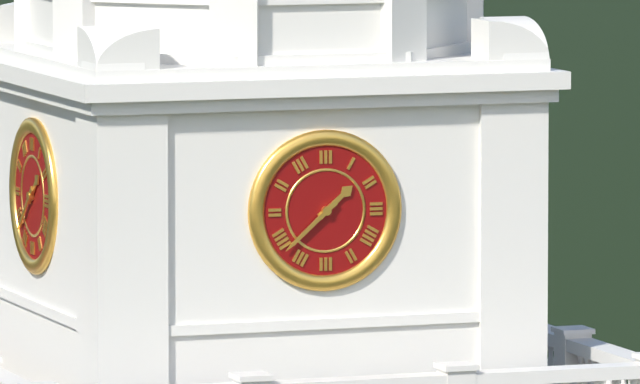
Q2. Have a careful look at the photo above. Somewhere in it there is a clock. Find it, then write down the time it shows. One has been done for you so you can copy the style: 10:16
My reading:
1:38
